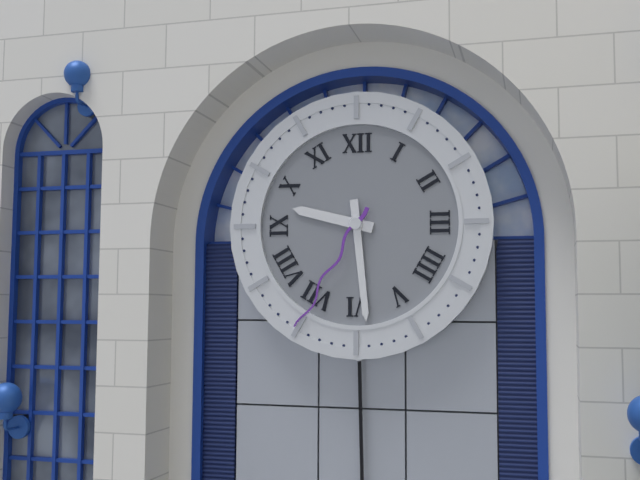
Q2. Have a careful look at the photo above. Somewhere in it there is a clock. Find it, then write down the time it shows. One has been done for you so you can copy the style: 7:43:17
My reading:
9:29:35
